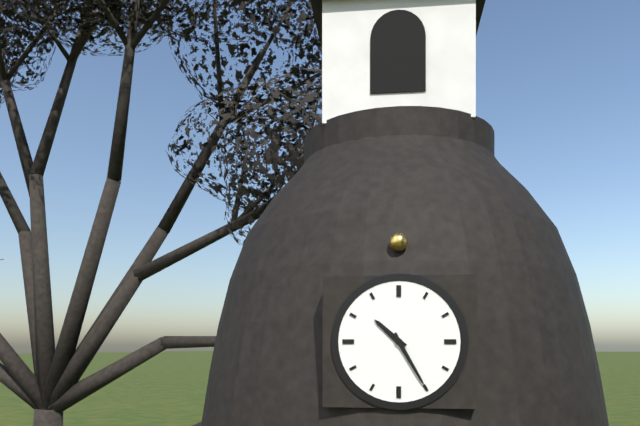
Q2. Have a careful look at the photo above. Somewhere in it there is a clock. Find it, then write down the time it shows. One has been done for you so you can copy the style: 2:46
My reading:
10:25
